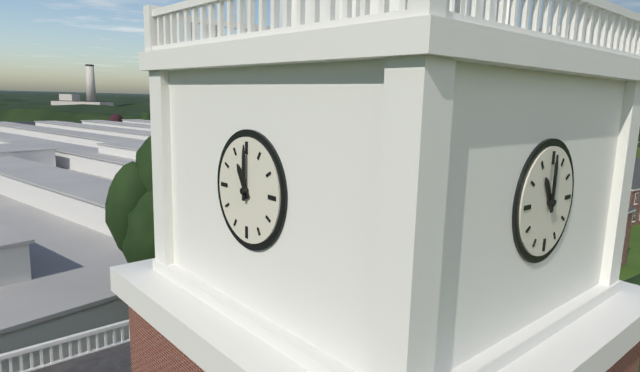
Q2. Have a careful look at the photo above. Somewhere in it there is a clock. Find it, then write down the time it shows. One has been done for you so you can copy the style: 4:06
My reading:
11:00
